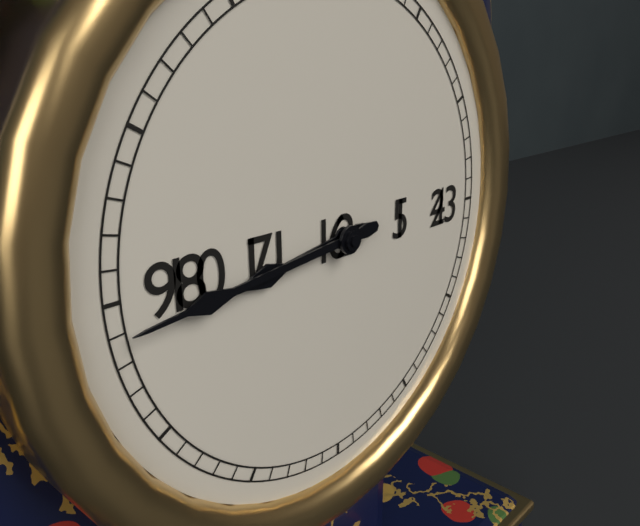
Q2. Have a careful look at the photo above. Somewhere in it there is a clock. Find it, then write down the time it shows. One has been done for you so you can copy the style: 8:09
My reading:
8:44
